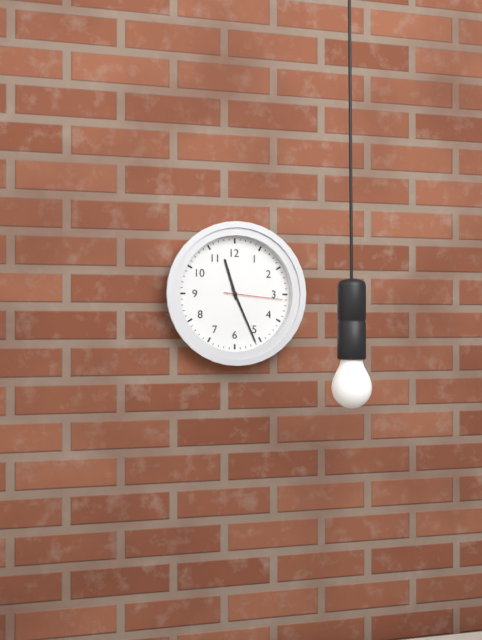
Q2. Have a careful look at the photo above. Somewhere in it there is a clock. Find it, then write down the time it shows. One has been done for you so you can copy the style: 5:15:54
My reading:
11:26:16
